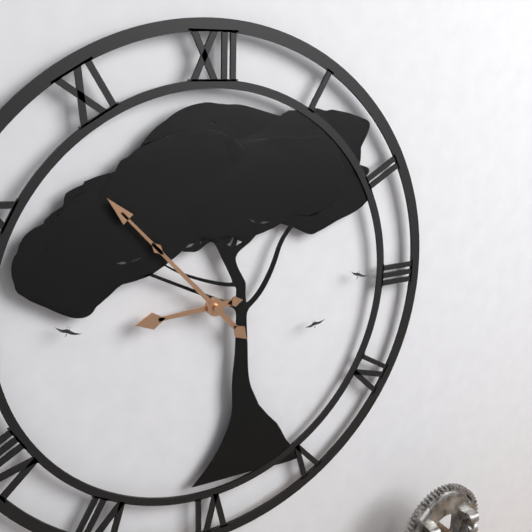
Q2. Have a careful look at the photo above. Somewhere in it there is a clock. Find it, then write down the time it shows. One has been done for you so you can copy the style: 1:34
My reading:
8:53
